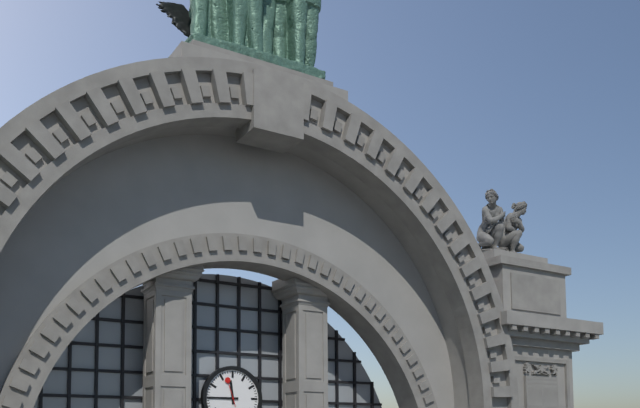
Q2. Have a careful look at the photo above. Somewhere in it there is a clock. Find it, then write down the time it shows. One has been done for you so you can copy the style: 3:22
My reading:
11:45
